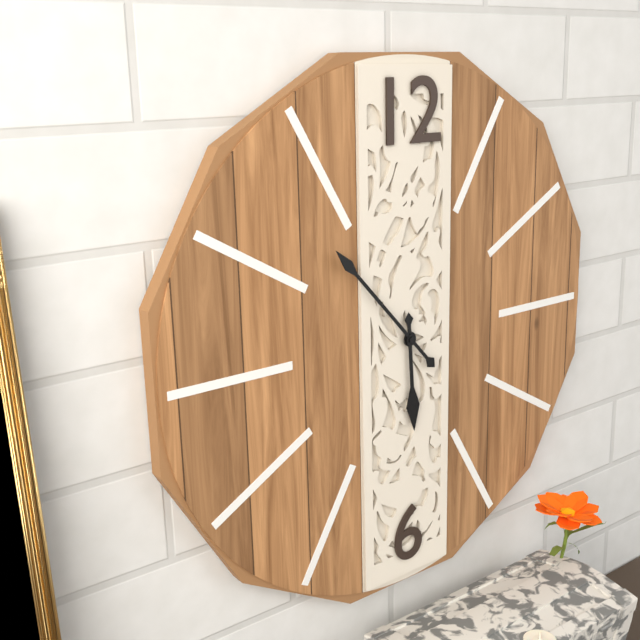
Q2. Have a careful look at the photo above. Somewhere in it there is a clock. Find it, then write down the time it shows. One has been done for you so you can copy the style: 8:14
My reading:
5:53
